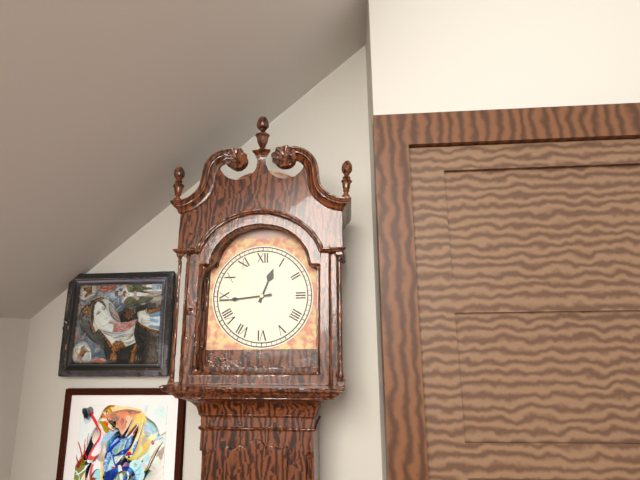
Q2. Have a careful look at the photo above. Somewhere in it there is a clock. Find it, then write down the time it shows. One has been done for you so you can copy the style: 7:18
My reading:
12:44
